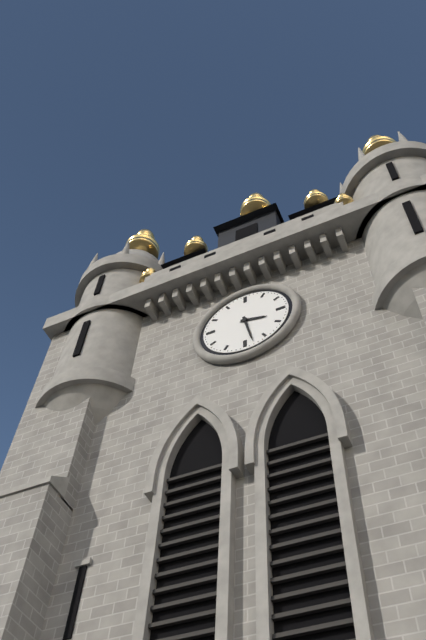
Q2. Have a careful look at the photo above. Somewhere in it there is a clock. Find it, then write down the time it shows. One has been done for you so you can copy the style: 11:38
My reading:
3:28
